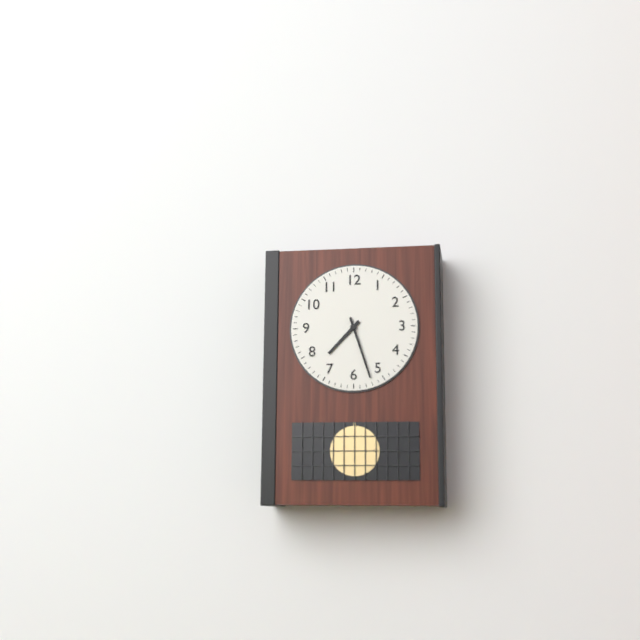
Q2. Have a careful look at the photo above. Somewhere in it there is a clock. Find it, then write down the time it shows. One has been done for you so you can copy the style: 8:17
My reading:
7:27
